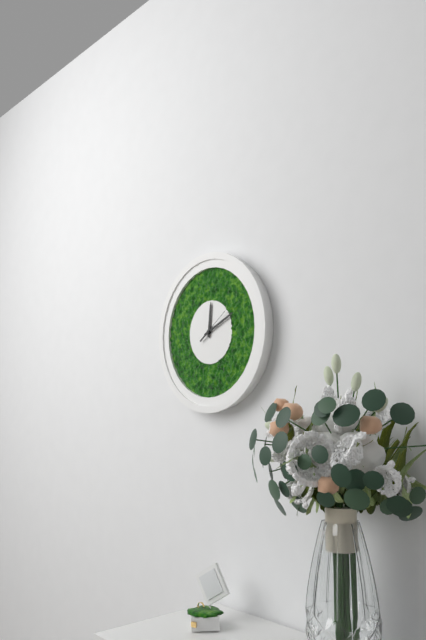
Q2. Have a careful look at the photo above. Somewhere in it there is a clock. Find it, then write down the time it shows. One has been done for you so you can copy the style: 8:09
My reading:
12:11
